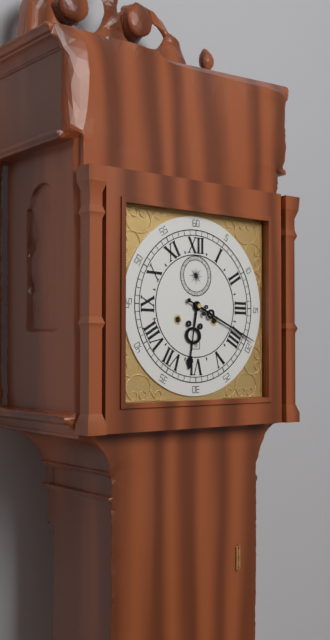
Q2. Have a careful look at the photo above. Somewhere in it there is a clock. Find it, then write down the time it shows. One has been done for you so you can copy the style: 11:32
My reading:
6:19
